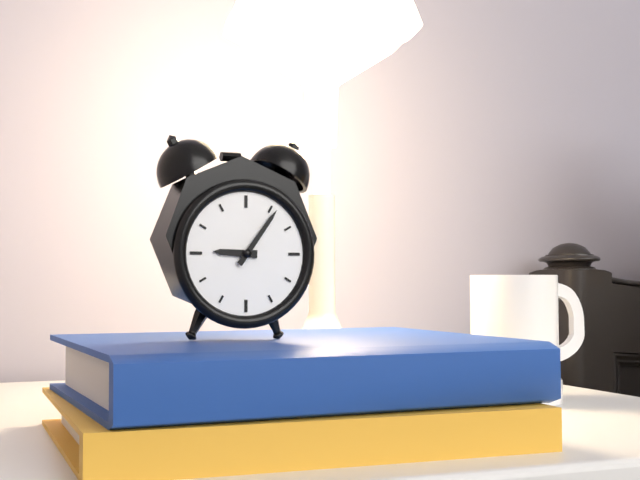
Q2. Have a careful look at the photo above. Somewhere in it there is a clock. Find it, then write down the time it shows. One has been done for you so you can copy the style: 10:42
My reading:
9:06
